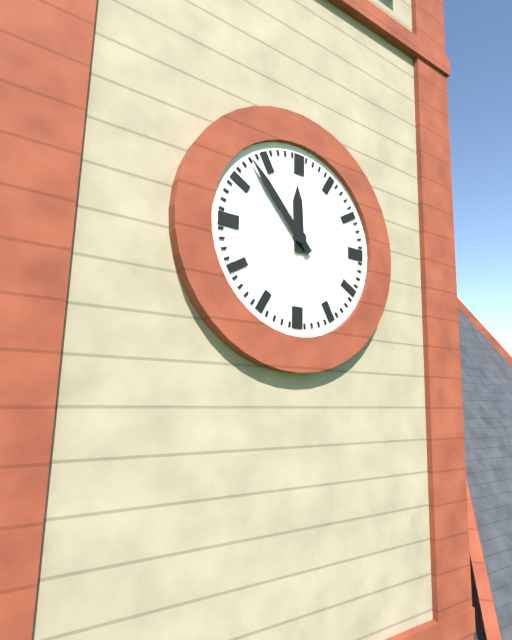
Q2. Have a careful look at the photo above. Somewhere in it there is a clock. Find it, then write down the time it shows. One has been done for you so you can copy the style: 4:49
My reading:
11:53
